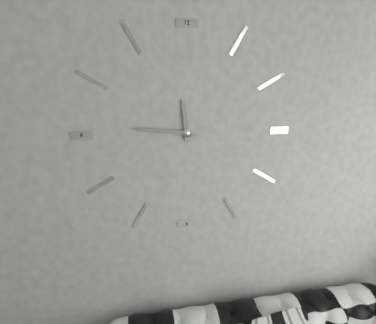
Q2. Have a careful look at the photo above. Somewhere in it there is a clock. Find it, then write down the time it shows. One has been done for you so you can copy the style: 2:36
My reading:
11:46
